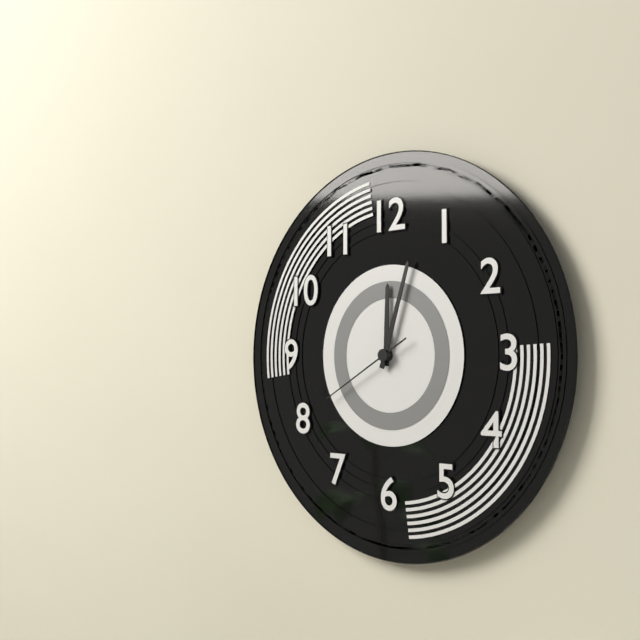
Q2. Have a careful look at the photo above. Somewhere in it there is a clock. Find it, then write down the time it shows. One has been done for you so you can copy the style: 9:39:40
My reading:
12:03:40
